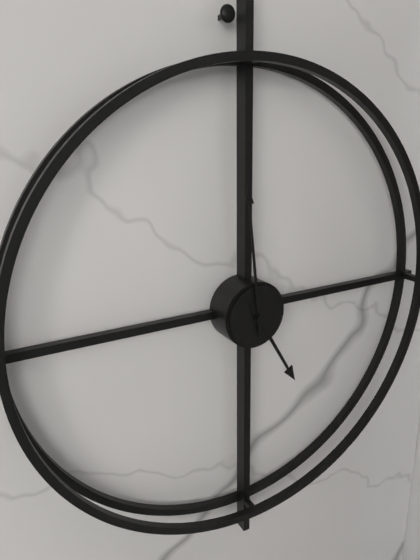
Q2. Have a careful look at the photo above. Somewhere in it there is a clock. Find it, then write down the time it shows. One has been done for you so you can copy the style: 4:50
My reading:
4:59
